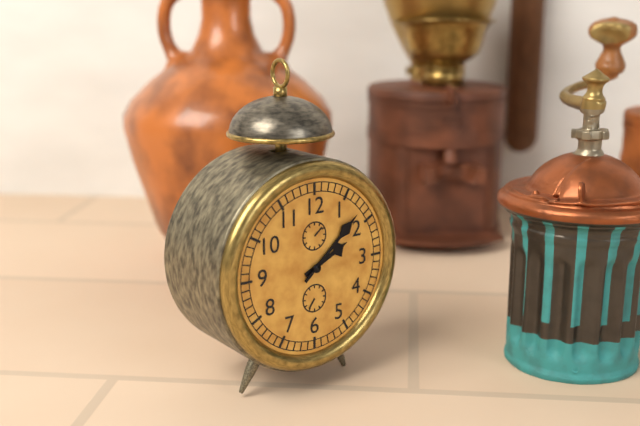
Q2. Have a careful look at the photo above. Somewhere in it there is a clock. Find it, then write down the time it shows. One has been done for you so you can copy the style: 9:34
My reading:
2:08
